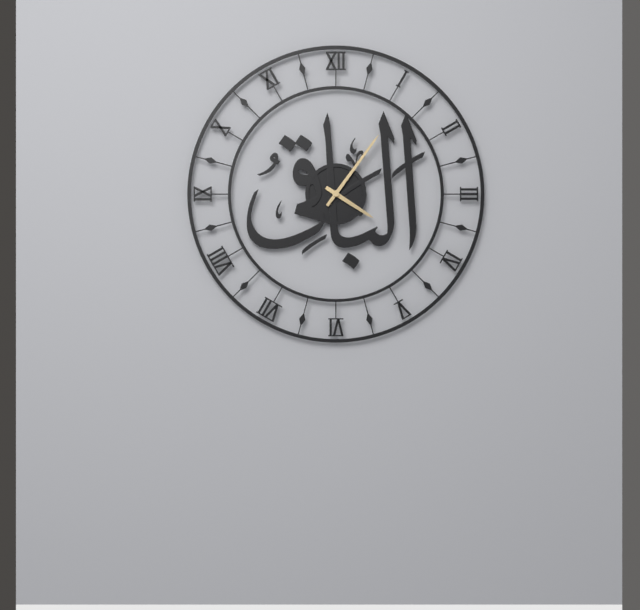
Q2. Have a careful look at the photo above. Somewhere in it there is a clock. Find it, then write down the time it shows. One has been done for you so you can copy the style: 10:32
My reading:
4:06
